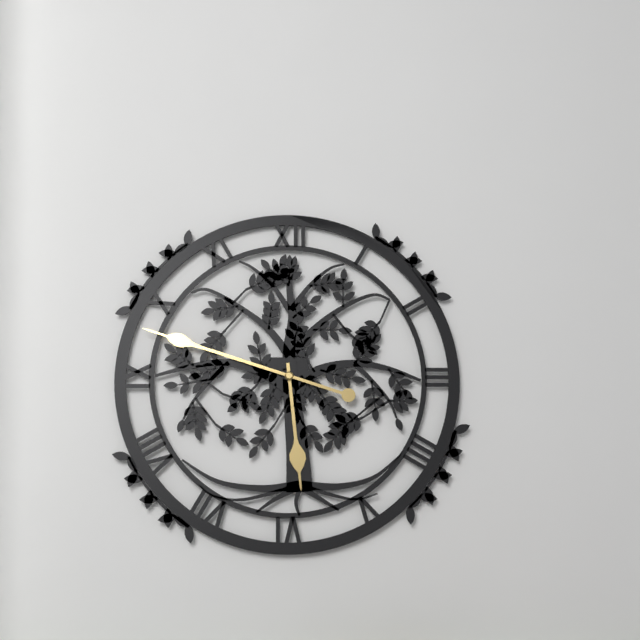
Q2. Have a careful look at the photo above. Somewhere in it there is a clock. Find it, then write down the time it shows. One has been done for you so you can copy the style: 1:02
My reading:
5:48
